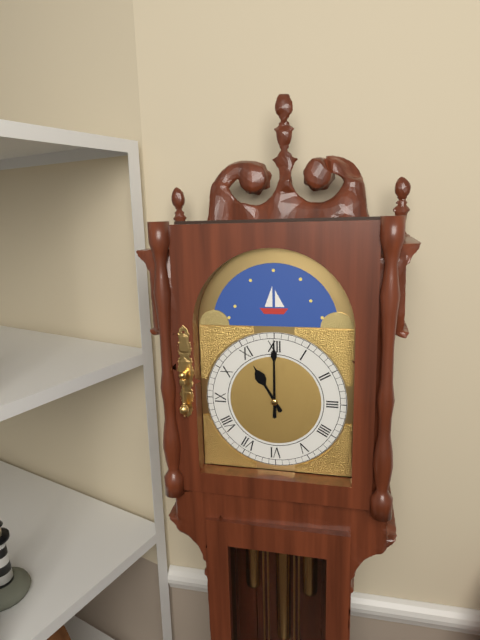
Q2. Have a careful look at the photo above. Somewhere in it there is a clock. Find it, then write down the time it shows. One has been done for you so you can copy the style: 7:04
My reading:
11:00
